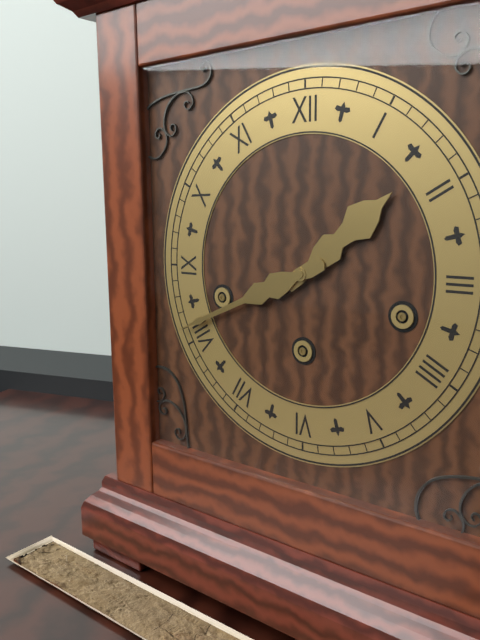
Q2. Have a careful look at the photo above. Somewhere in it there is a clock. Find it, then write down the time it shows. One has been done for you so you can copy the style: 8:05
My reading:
1:41
